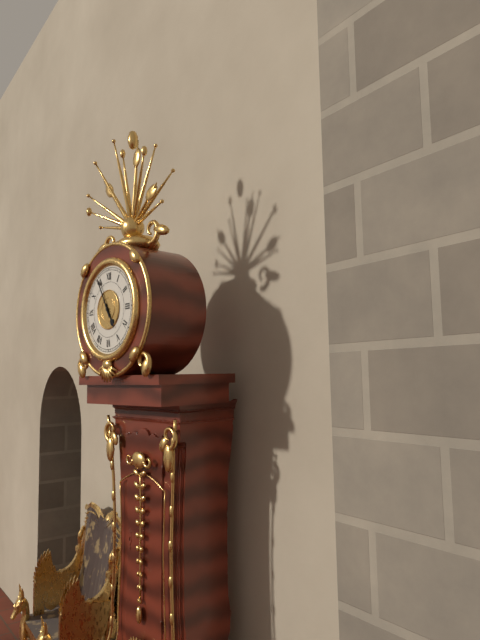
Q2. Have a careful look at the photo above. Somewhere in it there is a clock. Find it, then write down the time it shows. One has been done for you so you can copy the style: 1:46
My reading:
4:55
